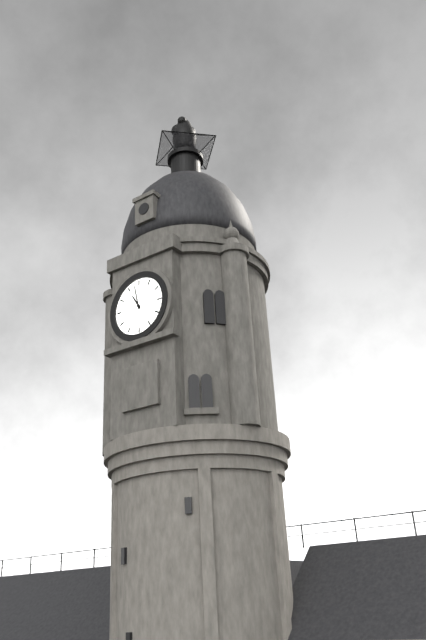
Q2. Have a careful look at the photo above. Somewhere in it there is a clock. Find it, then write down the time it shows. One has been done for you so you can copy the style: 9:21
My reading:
10:58
